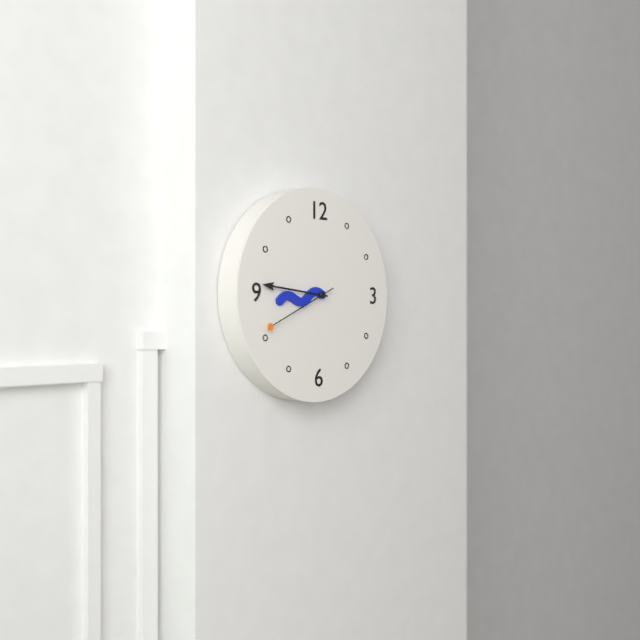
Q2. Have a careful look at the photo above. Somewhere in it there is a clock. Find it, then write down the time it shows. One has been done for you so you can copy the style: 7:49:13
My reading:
8:46:41
